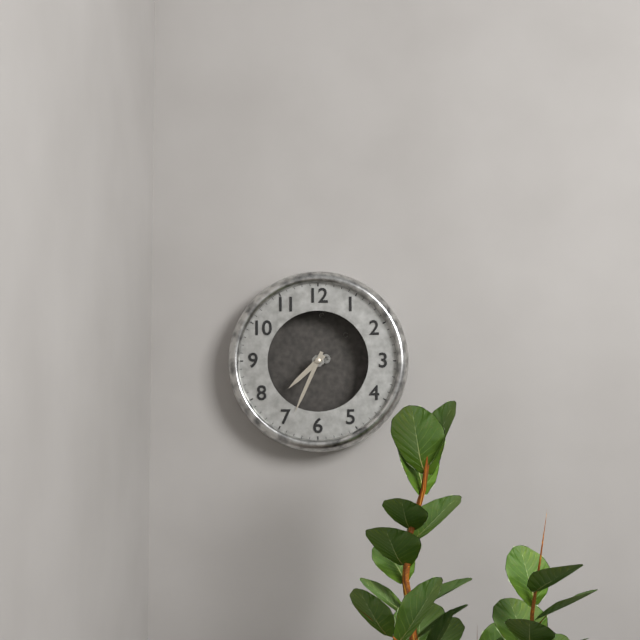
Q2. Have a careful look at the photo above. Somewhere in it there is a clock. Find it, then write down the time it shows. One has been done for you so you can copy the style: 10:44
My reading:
7:34
